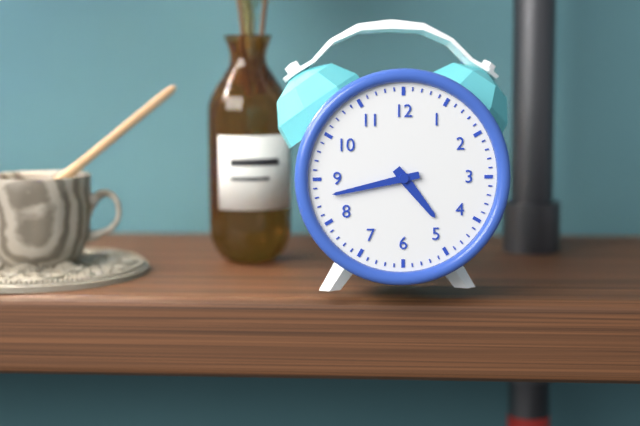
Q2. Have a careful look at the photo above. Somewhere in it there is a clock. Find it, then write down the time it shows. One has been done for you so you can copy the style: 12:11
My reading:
4:43
